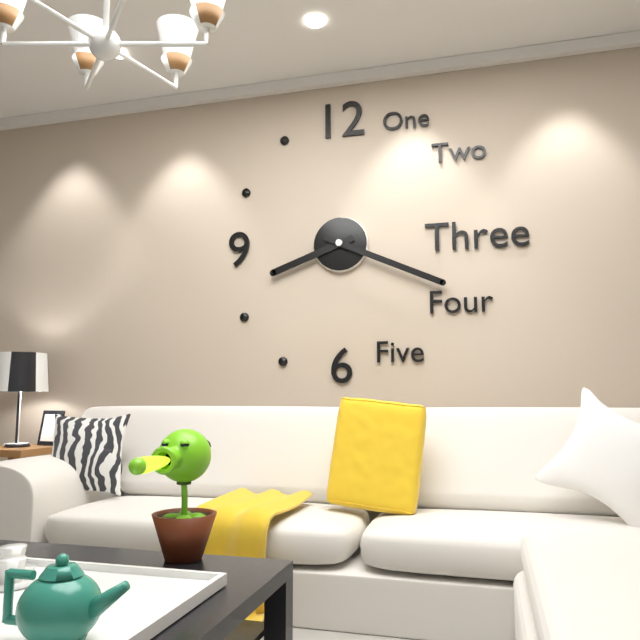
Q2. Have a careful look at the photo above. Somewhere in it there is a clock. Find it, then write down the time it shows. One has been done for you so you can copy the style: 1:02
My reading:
8:19
